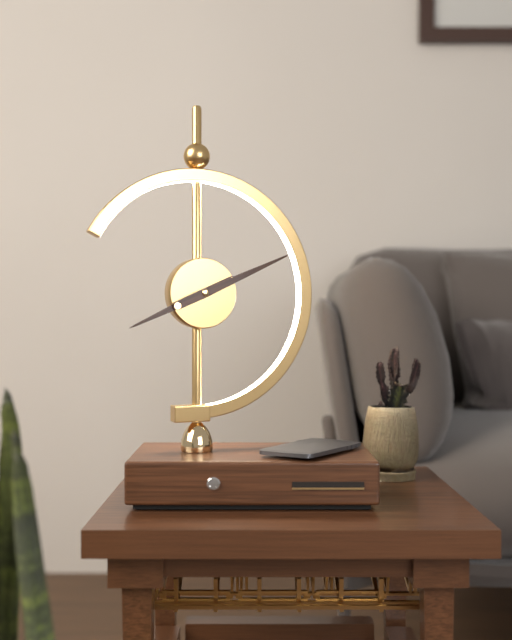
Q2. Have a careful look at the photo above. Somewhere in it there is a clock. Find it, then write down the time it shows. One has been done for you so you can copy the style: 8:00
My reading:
8:11
